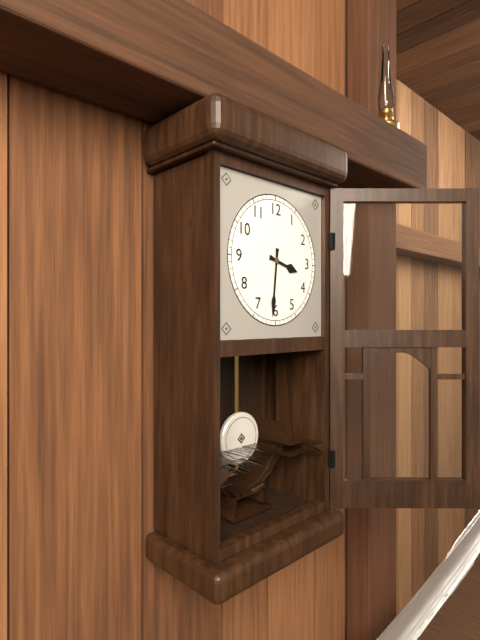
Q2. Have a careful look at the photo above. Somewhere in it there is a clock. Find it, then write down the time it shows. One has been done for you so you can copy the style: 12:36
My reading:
3:31
